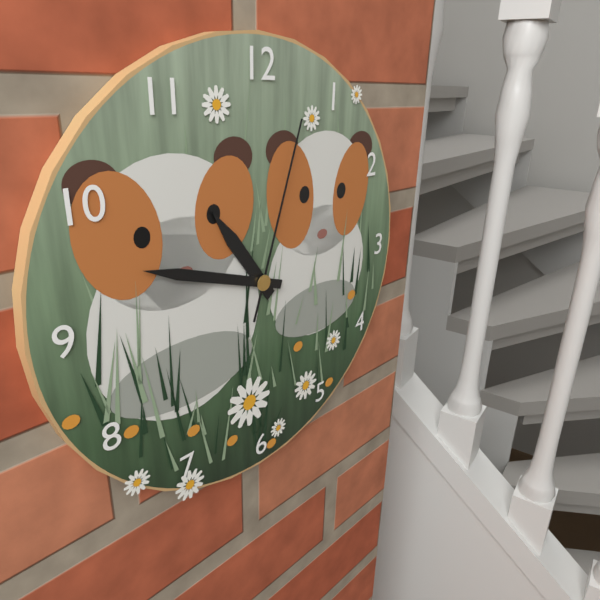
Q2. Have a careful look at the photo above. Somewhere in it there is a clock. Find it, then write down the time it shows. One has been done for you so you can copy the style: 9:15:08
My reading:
10:48:03
